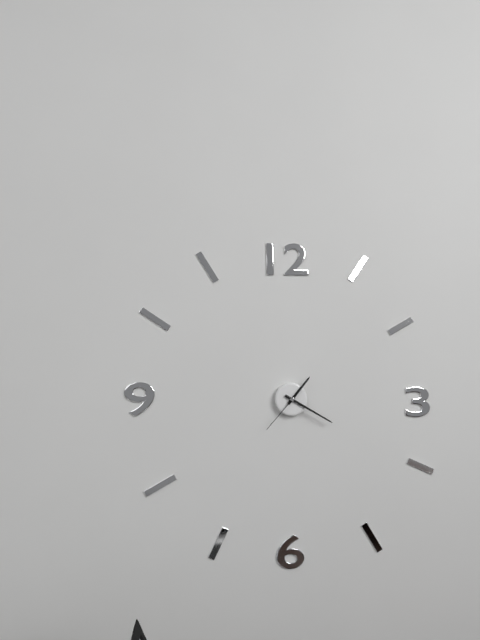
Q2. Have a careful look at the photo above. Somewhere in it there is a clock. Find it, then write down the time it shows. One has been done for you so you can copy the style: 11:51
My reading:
1:20
